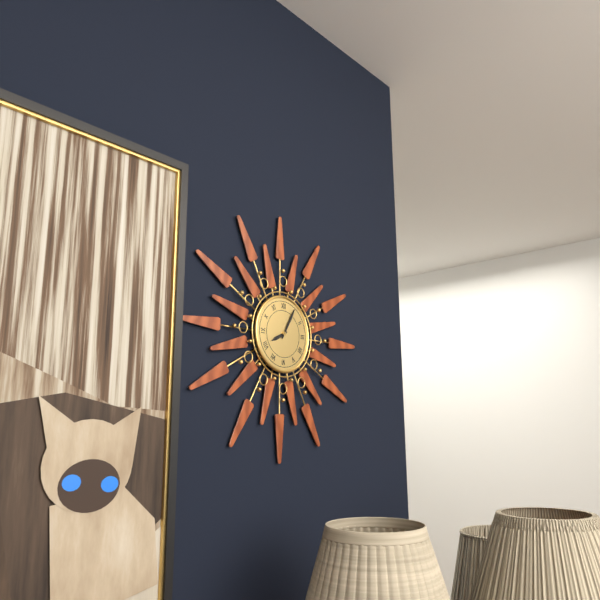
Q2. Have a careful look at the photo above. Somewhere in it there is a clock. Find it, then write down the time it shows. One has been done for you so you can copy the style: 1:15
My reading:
8:05
